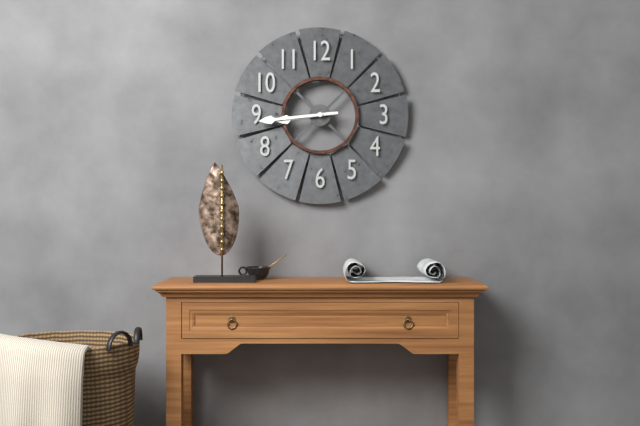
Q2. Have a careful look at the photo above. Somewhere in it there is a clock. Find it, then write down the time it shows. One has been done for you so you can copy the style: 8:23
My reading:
8:44
